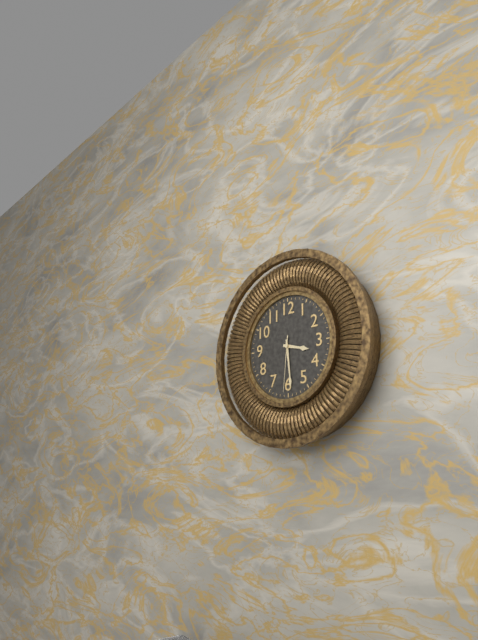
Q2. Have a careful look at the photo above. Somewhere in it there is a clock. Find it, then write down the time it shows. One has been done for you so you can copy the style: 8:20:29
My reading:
3:29:31
